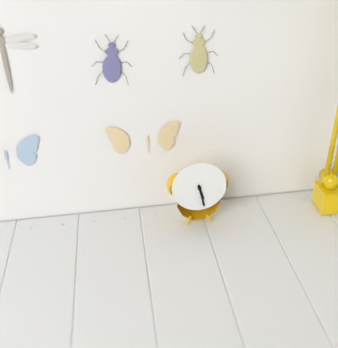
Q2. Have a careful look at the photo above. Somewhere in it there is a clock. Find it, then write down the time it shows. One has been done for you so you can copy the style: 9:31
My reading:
5:28
